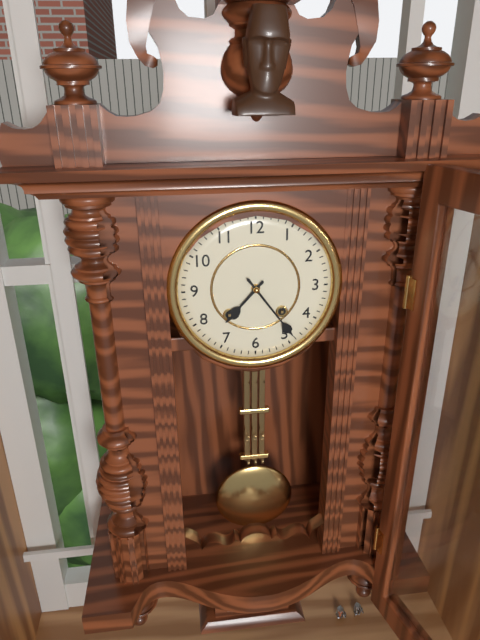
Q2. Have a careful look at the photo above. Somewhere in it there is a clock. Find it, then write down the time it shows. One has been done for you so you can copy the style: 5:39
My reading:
7:24
